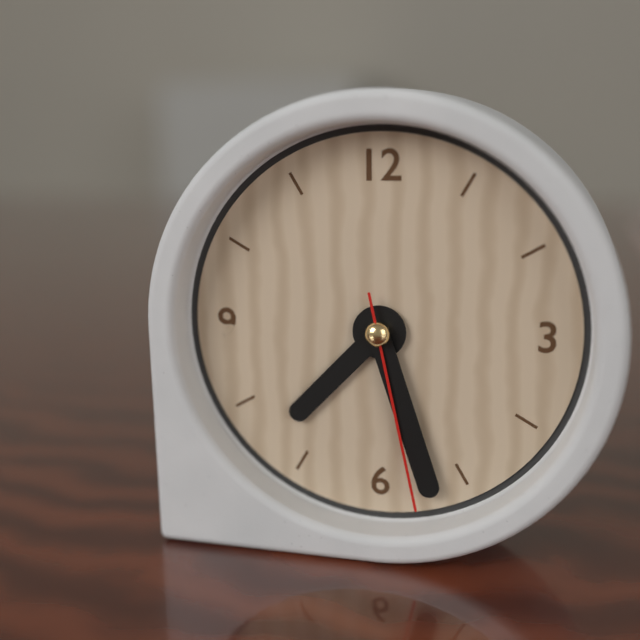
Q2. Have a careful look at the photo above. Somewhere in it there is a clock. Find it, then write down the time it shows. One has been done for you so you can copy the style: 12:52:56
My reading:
7:27:28
